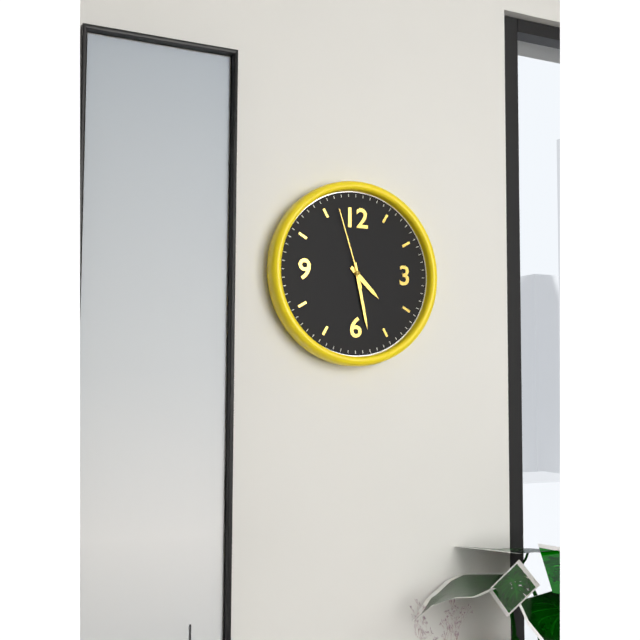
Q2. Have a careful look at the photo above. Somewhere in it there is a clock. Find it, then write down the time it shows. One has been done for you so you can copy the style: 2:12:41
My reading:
4:28:57
